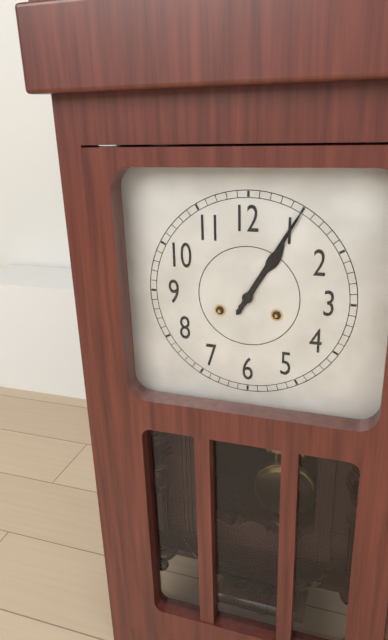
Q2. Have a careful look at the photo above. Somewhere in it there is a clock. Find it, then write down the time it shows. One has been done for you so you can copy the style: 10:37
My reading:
1:05
